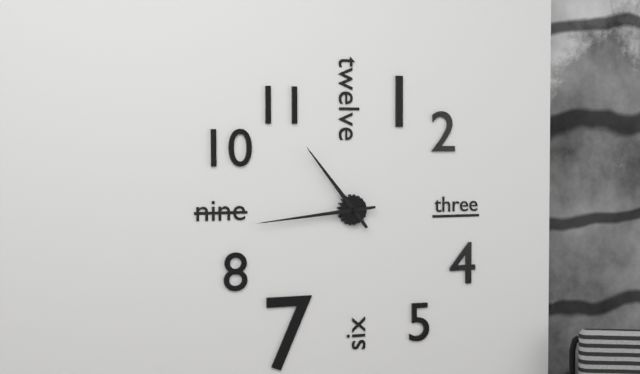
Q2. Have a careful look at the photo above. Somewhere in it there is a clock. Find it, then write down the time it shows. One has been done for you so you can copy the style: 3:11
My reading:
10:44
